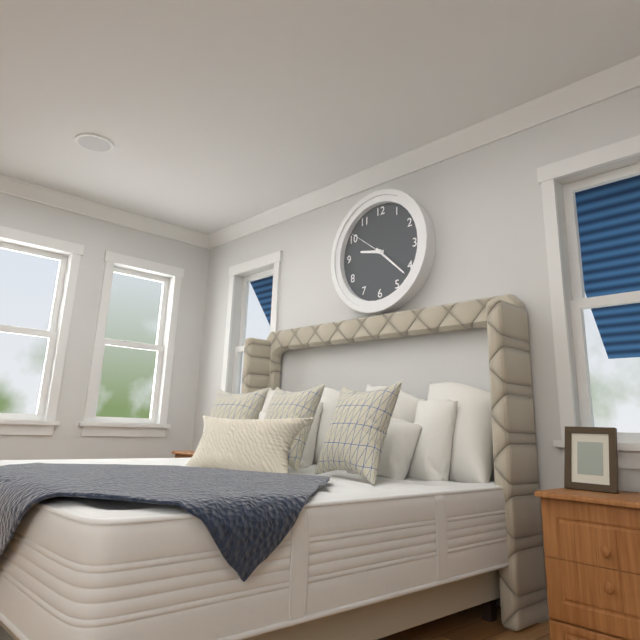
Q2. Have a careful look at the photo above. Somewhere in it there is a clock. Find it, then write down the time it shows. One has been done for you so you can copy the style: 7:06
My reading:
9:22
